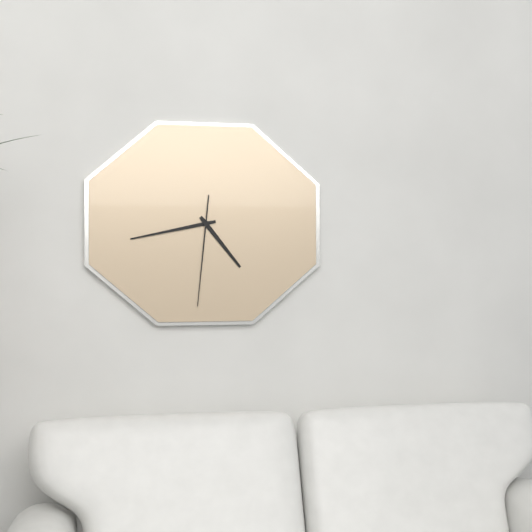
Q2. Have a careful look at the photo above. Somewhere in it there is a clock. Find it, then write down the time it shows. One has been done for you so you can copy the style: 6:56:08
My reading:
4:43:31
